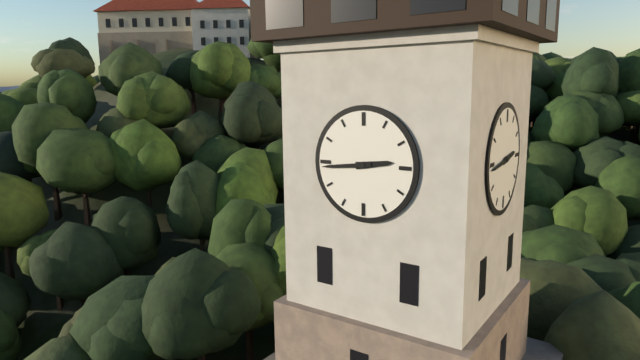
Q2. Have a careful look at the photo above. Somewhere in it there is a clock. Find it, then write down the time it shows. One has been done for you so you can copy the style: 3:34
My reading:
2:44
